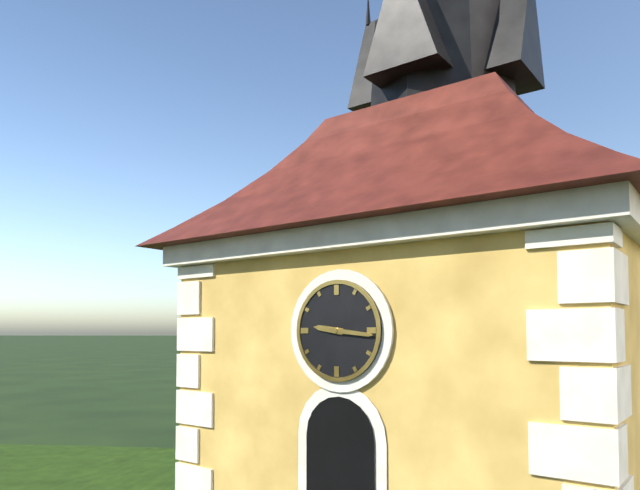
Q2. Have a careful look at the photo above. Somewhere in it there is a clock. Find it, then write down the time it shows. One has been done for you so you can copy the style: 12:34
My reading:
9:16
